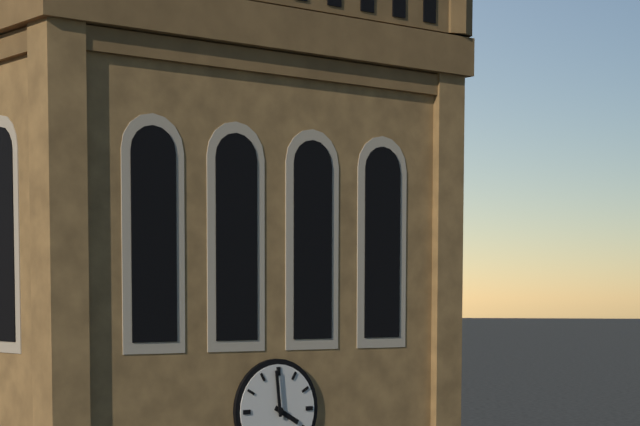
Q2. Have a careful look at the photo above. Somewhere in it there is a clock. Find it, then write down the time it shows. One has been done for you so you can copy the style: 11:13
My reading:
3:59
